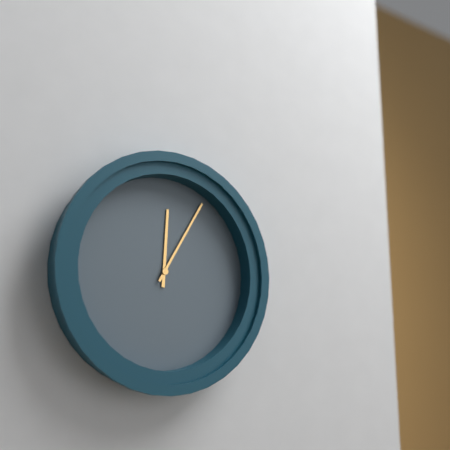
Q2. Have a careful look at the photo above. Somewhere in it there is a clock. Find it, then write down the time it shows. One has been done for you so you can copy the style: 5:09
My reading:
12:05
